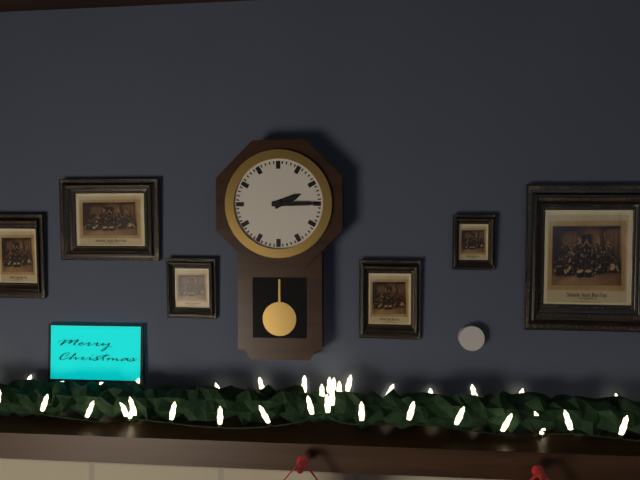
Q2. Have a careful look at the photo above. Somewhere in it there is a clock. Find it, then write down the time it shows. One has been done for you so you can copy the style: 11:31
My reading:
2:15
